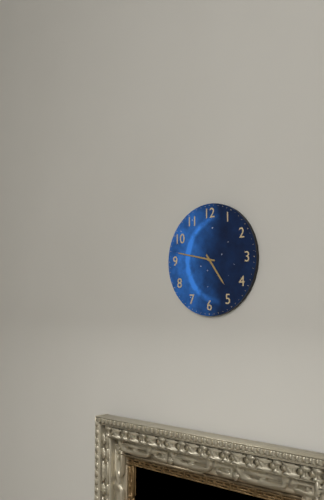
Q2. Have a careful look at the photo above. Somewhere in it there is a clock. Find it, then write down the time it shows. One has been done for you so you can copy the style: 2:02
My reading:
4:47
